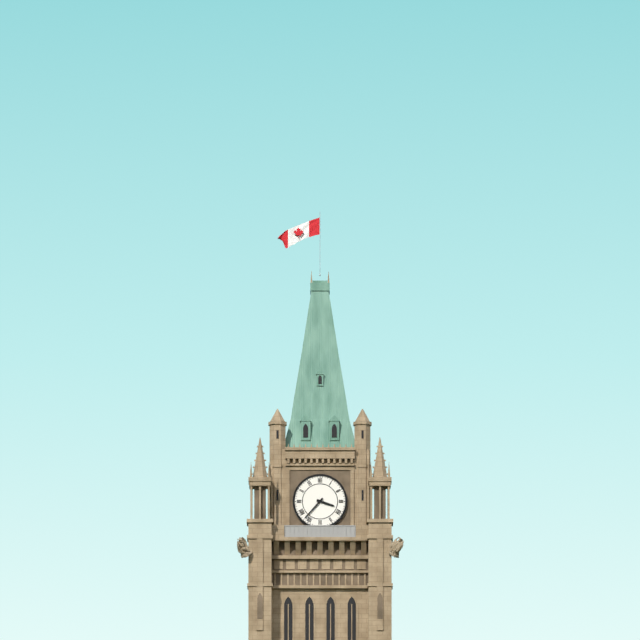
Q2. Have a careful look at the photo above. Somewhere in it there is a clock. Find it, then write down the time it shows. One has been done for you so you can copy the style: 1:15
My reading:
3:37
